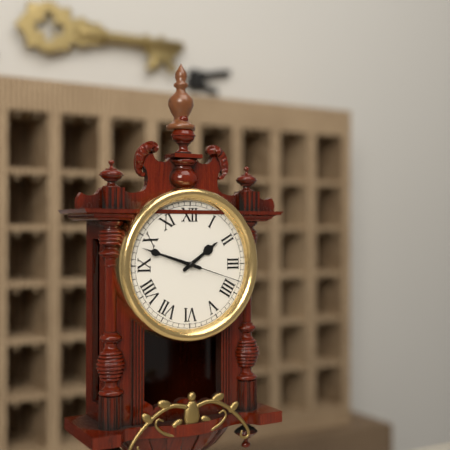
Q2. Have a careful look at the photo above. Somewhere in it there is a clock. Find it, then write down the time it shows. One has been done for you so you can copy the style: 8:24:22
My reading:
1:48:18
